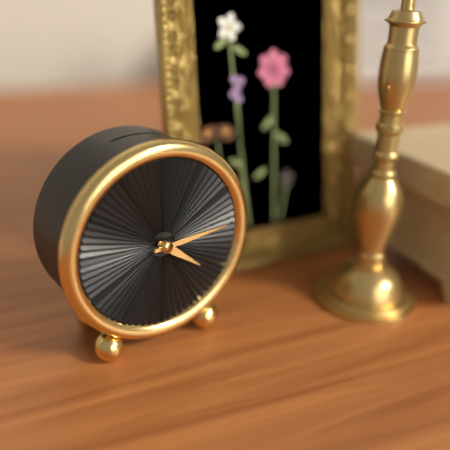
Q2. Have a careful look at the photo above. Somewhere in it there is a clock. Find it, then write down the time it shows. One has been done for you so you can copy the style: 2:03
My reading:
4:14
